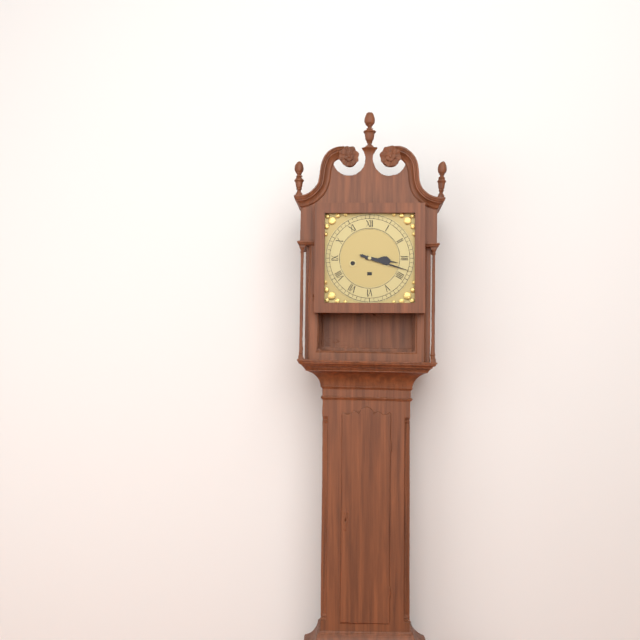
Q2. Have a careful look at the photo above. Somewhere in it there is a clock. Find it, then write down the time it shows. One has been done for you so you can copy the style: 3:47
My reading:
3:18
